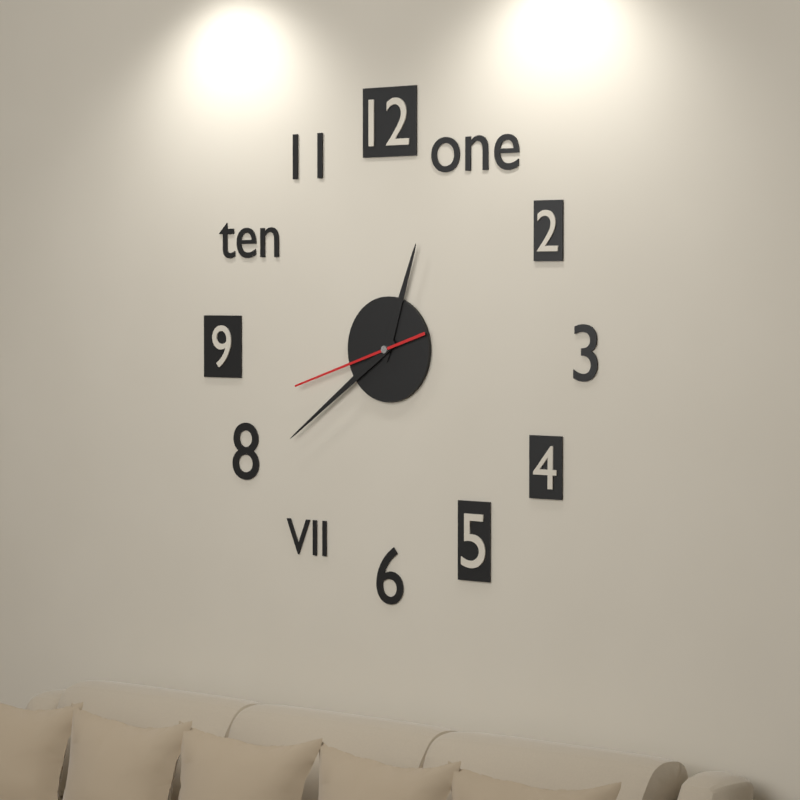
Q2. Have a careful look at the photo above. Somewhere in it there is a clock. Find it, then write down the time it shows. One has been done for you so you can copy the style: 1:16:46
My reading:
12:39:42
